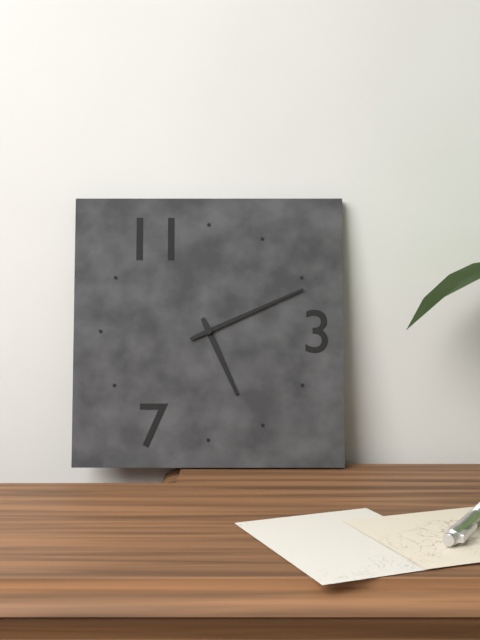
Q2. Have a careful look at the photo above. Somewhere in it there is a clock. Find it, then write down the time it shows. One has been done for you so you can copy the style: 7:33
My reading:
5:11
